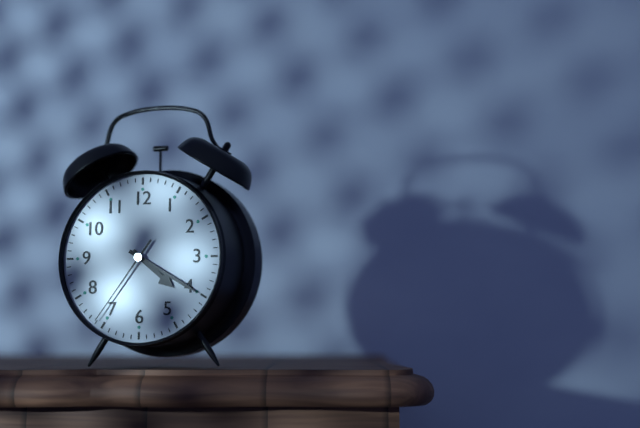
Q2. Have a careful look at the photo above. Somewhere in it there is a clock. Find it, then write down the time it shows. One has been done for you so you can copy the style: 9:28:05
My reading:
4:20:36
